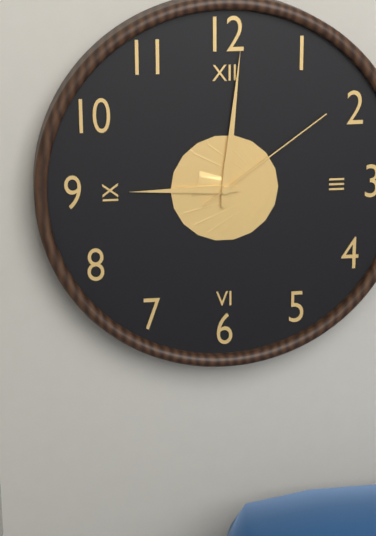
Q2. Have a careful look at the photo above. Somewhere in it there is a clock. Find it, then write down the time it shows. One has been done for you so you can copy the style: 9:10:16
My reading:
9:01:09
